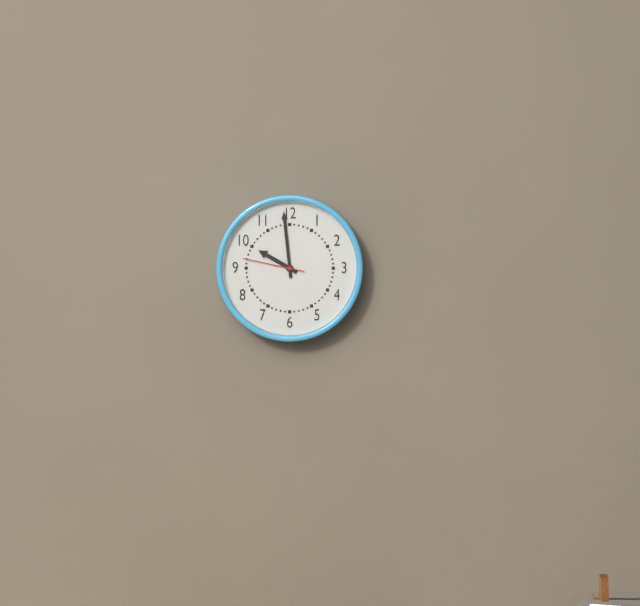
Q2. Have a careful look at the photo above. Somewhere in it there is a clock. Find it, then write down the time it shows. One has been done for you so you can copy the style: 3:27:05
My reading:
9:59:47
